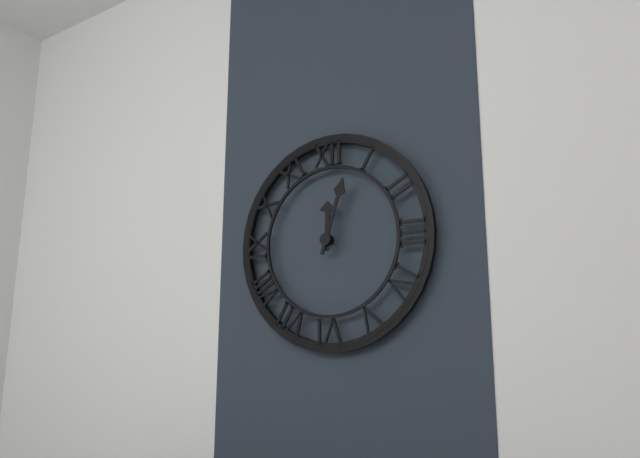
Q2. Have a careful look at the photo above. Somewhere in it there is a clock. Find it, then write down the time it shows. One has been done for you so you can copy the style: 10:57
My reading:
12:03
